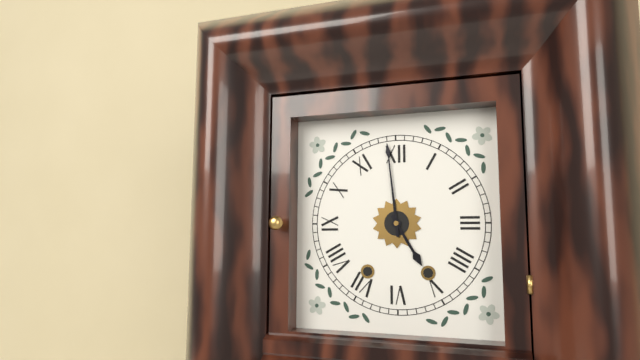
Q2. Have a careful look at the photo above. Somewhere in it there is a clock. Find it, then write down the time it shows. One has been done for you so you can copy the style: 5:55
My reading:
4:59
